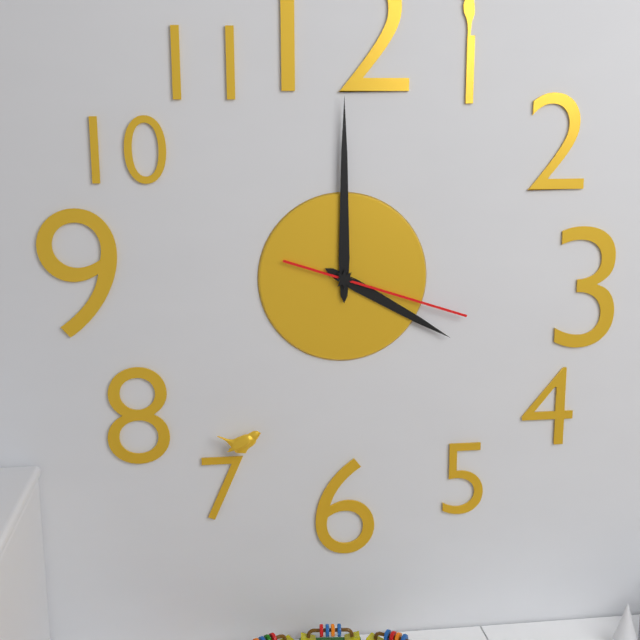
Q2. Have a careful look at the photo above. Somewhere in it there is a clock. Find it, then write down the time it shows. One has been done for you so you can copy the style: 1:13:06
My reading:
4:00:18
